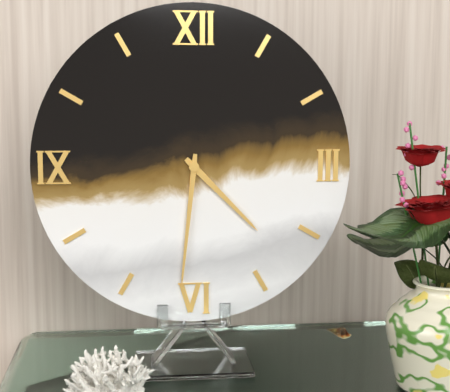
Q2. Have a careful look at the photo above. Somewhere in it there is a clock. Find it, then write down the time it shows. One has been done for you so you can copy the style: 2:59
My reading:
4:31
